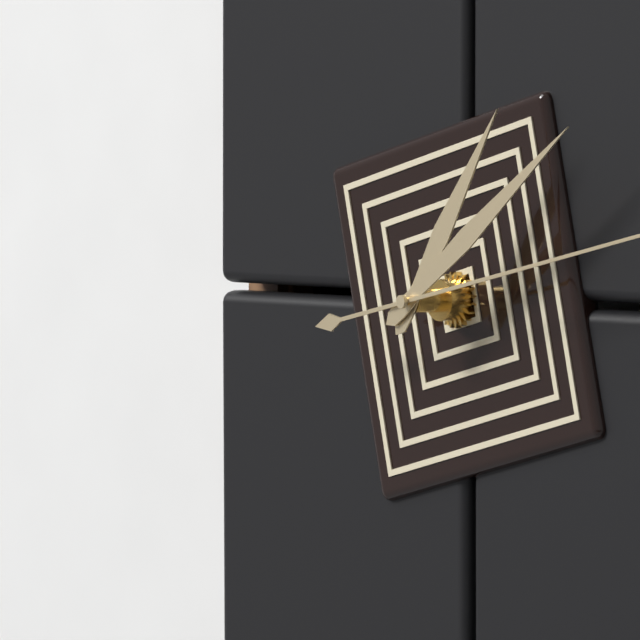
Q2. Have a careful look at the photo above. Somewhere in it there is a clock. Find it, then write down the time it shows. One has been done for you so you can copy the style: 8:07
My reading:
1:09
